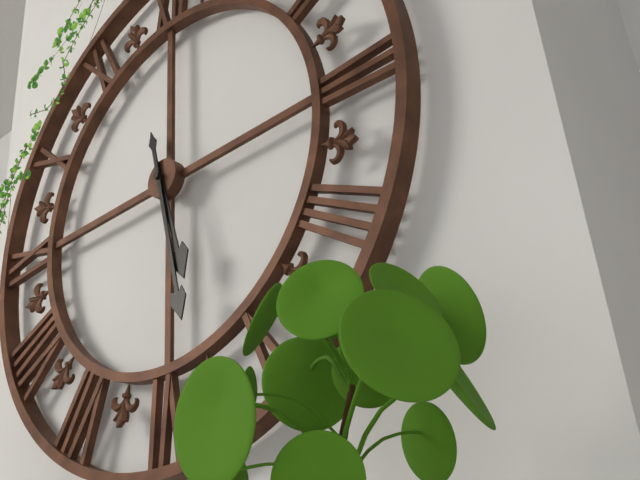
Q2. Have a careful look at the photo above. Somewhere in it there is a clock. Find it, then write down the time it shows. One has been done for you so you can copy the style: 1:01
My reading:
5:28
